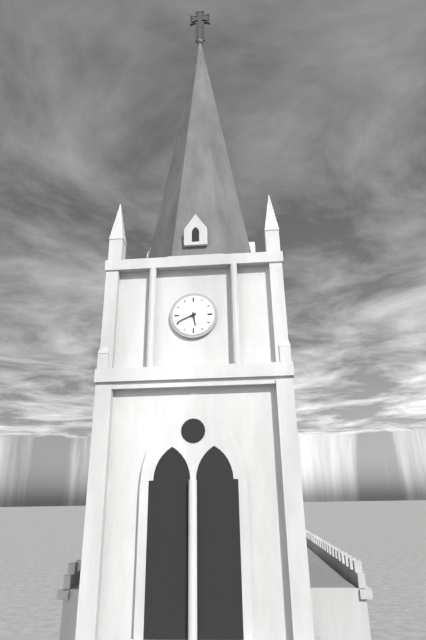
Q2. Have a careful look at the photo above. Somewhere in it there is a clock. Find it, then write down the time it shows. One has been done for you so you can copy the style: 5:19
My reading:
5:41
